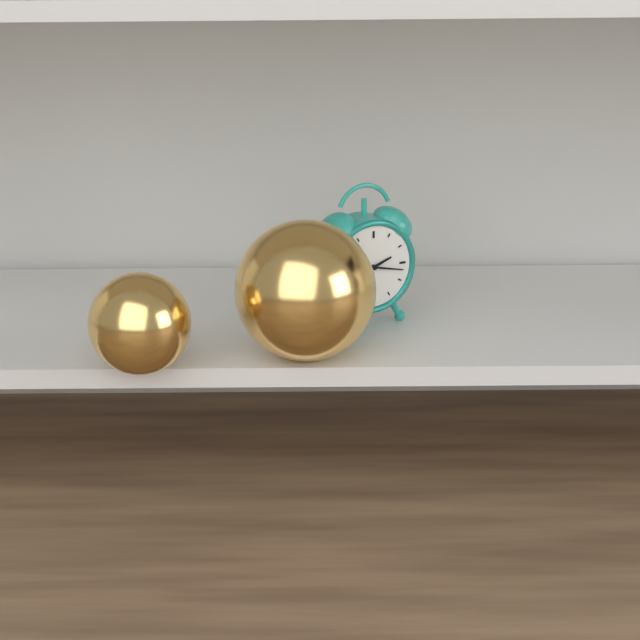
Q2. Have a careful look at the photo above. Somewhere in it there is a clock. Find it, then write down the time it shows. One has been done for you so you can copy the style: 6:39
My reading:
2:17
